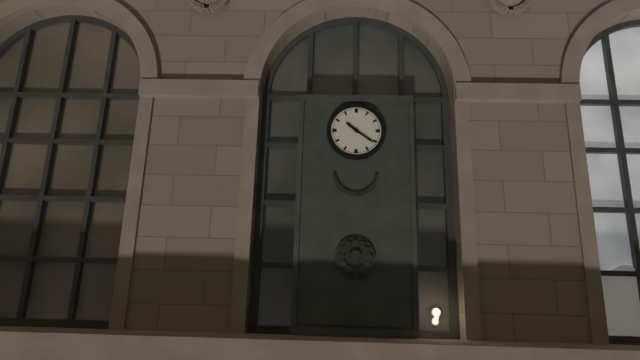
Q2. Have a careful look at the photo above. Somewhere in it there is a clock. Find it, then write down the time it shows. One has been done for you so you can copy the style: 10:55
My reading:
10:21
